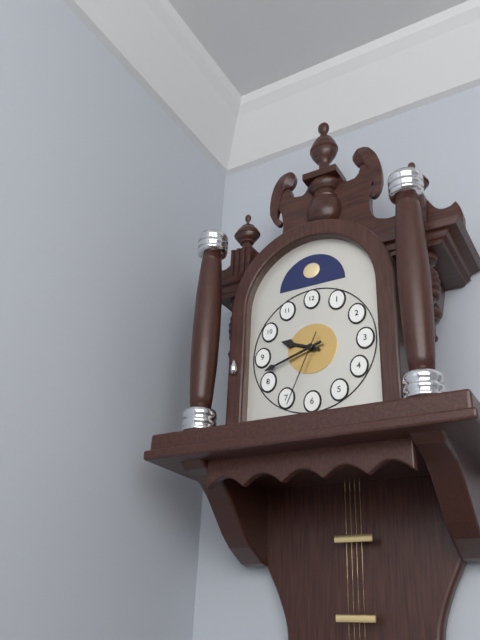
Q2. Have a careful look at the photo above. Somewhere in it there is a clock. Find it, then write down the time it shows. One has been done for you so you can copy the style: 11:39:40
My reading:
9:42:34
